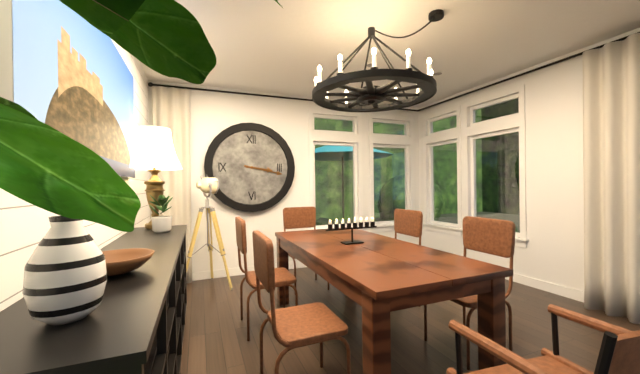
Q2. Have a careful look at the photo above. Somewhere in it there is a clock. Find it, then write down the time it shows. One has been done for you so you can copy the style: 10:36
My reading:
3:17
